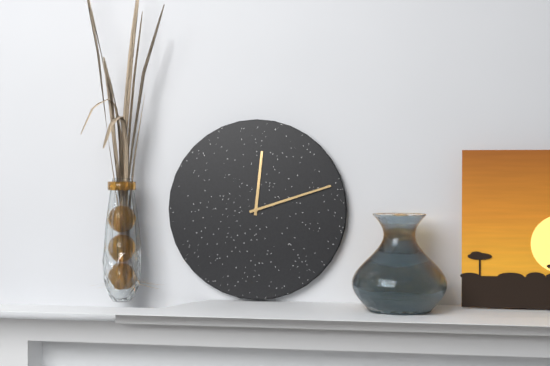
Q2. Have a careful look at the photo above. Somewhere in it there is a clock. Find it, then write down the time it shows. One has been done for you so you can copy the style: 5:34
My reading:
12:12
